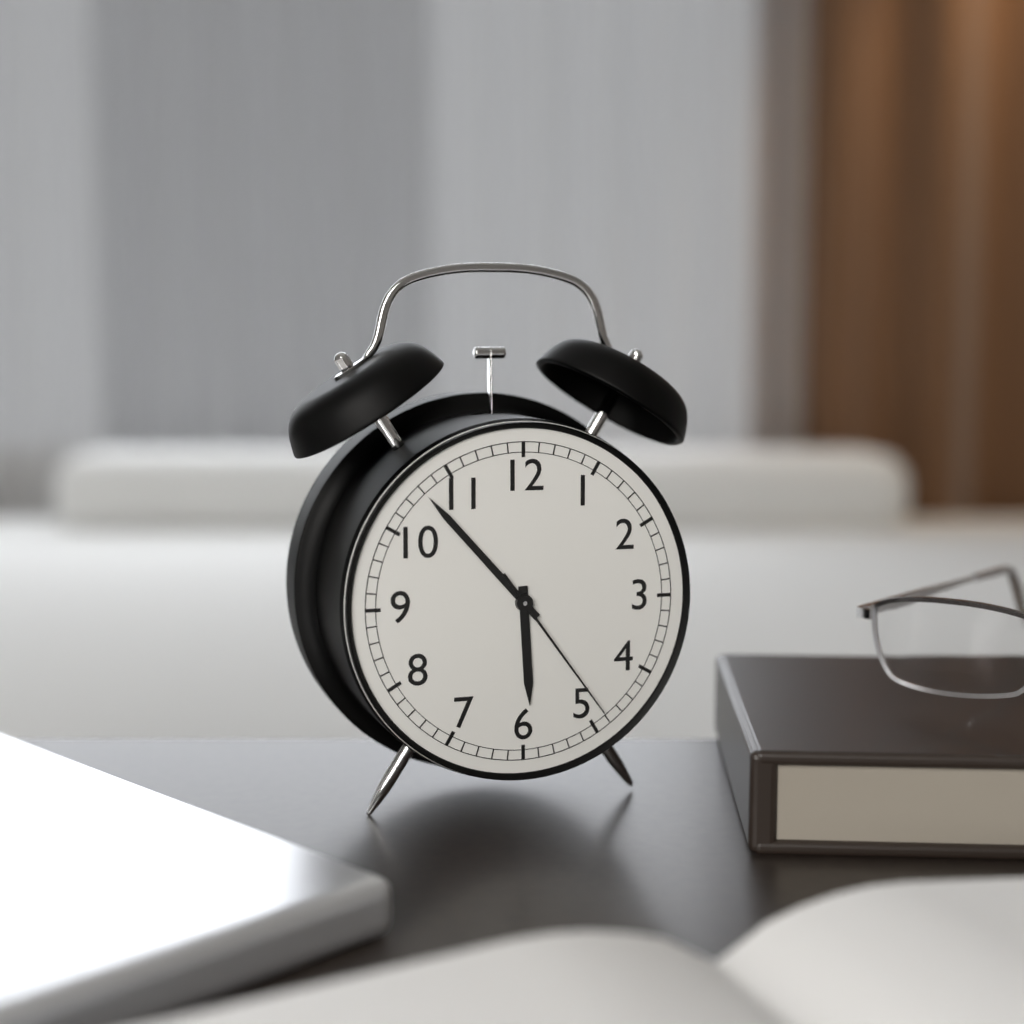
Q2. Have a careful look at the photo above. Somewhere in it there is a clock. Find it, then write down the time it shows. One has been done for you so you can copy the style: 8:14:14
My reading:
5:53:24
